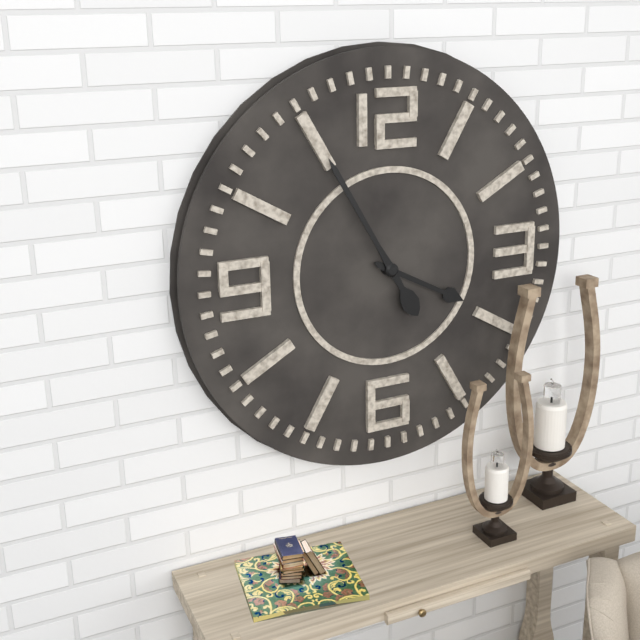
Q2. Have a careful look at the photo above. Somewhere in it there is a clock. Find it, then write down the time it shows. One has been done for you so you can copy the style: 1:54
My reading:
3:55
